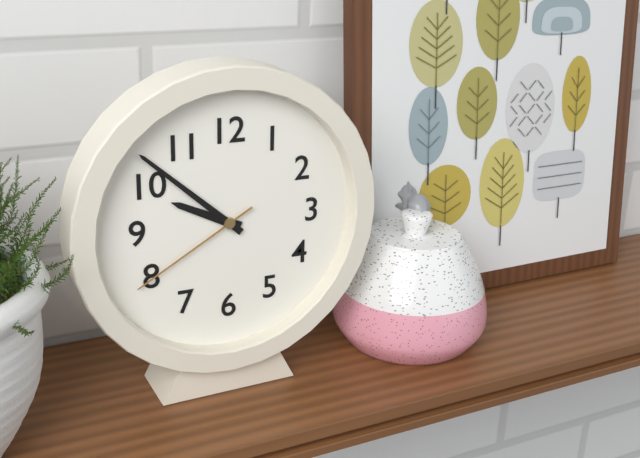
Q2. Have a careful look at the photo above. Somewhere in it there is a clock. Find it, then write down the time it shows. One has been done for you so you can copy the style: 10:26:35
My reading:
9:52:40
